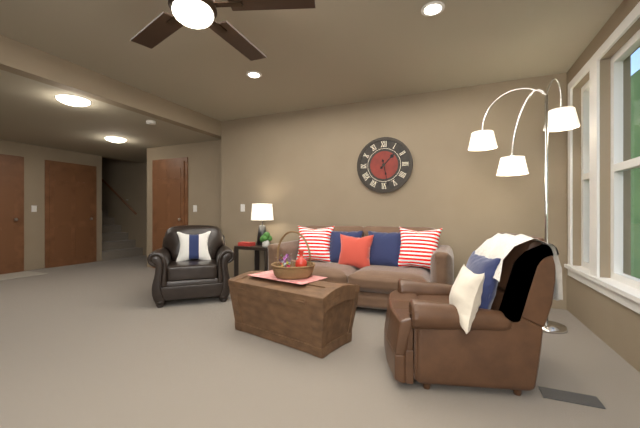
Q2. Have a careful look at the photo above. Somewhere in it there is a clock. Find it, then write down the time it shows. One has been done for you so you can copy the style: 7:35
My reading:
1:28
